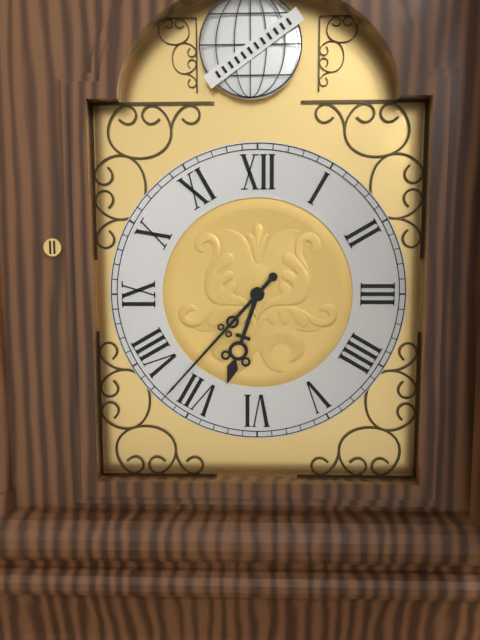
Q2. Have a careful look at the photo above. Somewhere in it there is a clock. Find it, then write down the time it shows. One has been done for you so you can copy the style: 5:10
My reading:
6:37
